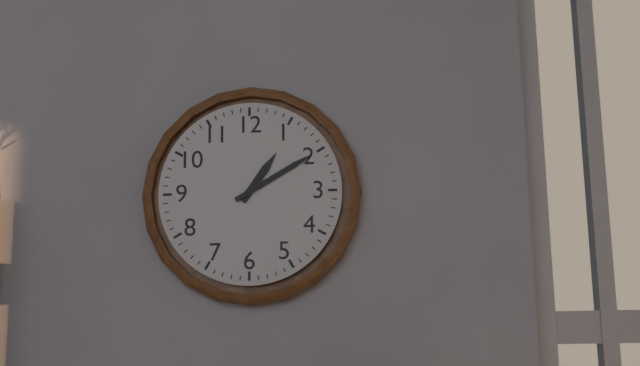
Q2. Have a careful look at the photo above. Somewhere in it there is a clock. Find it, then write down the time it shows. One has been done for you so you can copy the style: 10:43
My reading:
1:10
